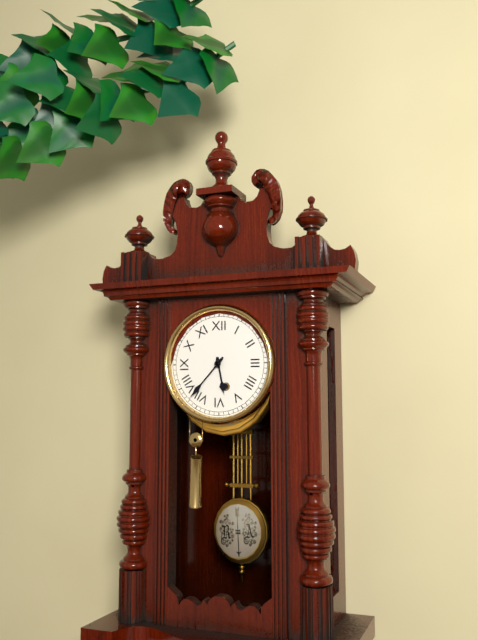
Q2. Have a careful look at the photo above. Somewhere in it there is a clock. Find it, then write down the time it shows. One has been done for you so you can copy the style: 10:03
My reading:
5:37
